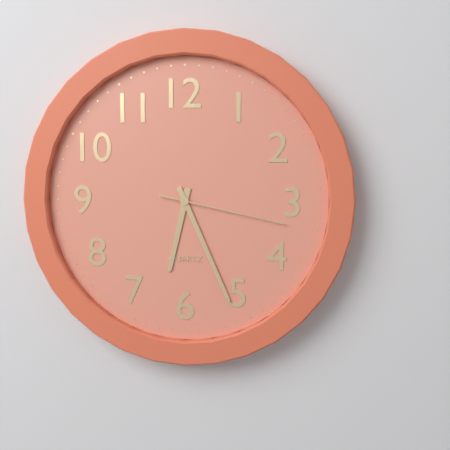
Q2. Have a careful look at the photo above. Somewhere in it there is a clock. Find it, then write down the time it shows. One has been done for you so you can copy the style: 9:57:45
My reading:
6:26:17
